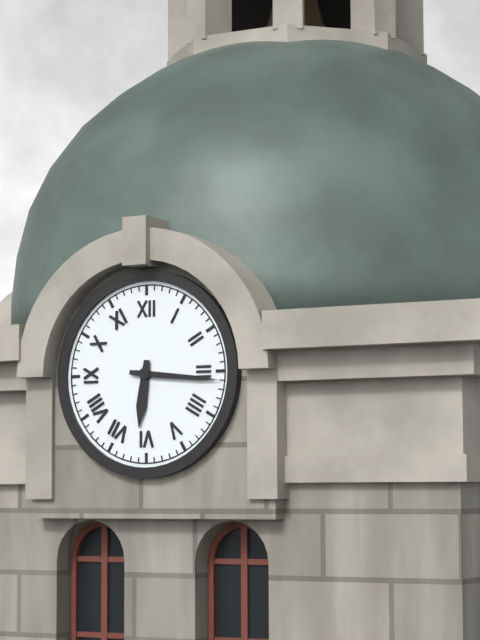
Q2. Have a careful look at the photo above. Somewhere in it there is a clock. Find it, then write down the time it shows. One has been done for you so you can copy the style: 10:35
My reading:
6:16
